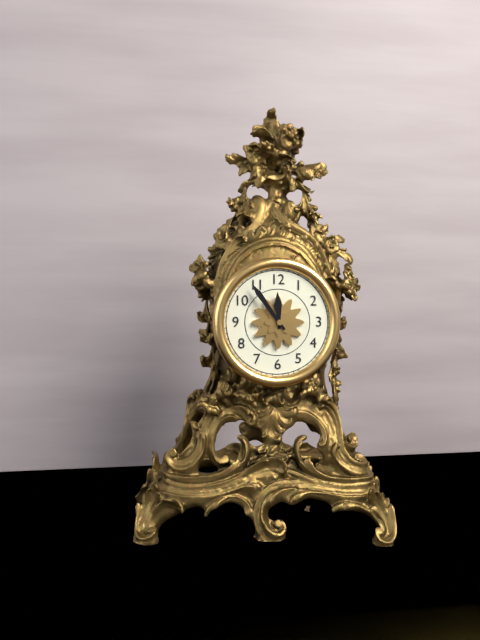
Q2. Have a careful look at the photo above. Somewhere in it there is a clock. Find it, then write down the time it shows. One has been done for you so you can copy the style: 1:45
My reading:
11:54
